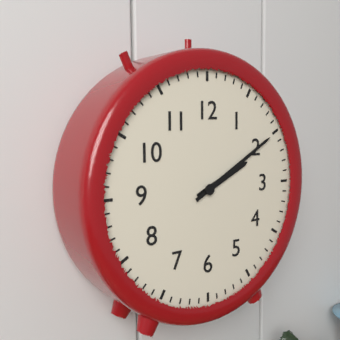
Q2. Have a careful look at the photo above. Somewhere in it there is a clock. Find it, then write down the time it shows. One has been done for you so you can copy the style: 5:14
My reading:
2:10
